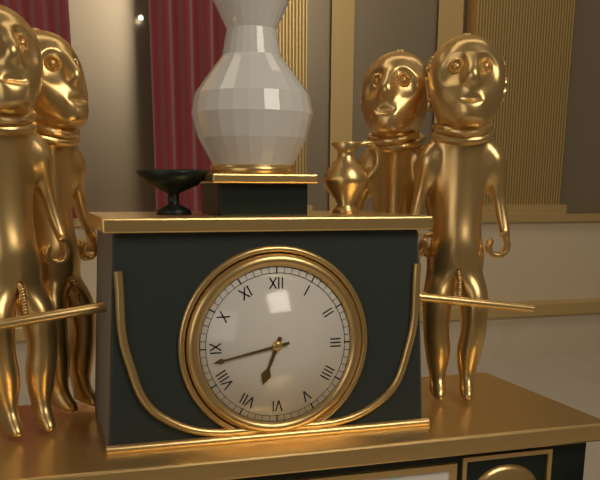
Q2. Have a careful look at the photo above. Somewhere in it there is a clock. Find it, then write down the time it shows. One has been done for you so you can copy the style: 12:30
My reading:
6:43
